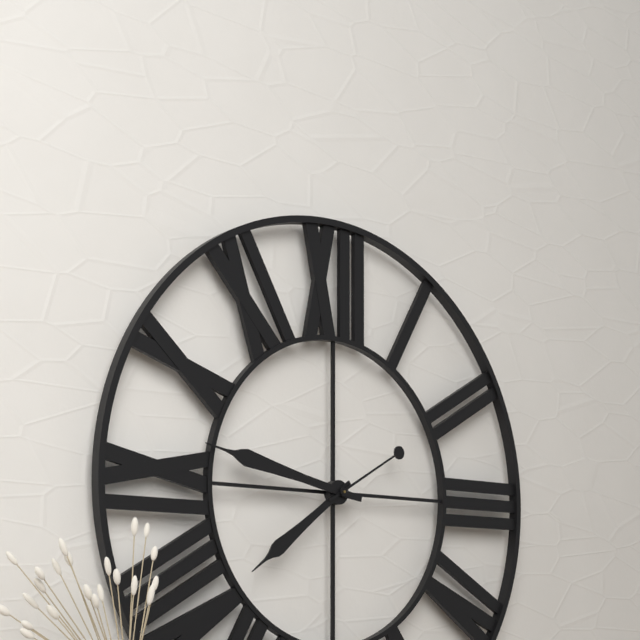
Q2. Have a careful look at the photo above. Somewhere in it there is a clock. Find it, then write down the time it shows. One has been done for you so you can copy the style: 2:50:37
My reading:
7:47:10
